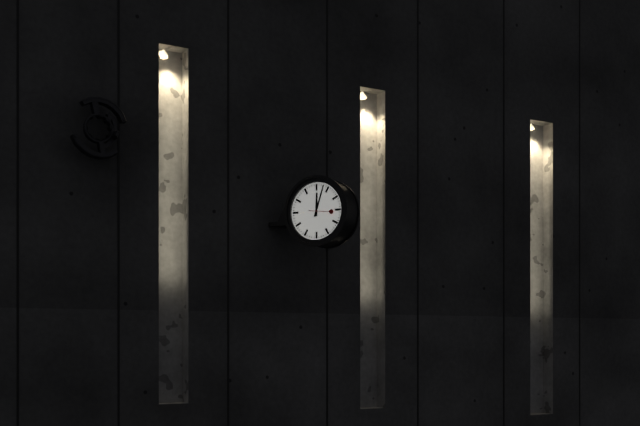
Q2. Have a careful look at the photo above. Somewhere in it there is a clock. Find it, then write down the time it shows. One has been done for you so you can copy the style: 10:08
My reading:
12:03
